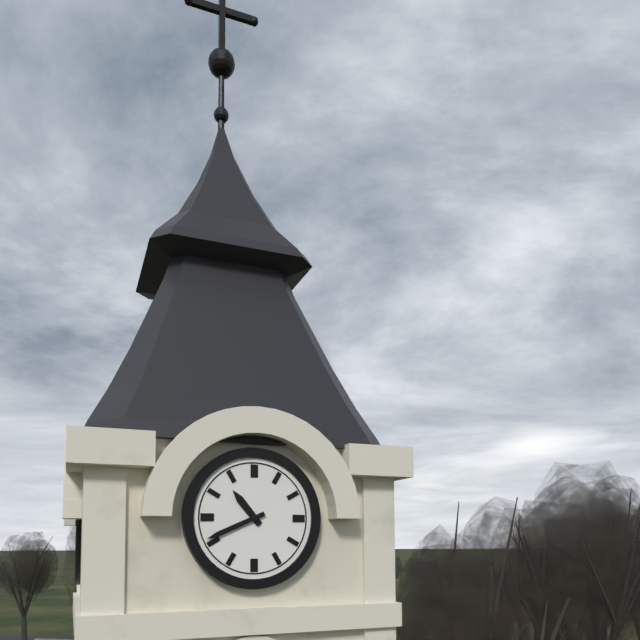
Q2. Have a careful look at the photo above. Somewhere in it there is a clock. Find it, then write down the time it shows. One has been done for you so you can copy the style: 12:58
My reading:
10:41
